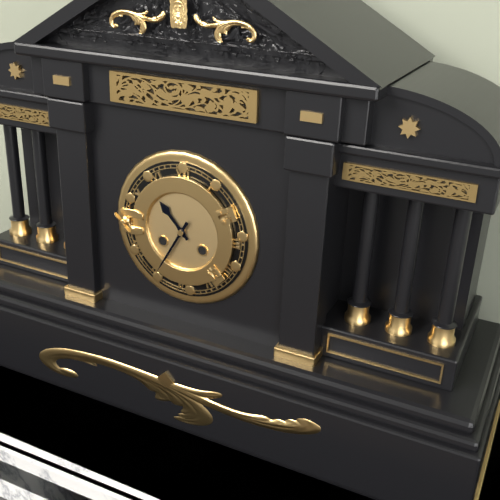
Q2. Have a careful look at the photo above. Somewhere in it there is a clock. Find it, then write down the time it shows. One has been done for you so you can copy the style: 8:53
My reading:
10:35
